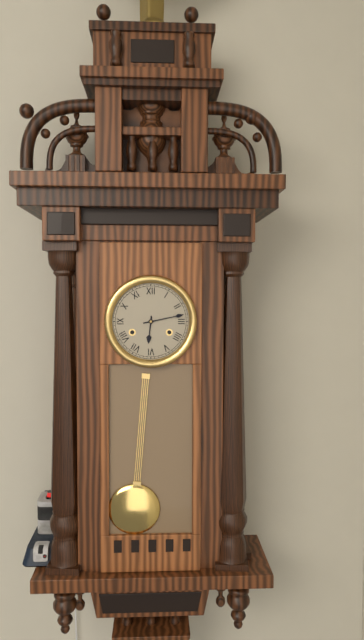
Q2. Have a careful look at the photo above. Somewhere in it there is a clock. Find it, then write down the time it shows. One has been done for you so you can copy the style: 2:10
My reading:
6:13
